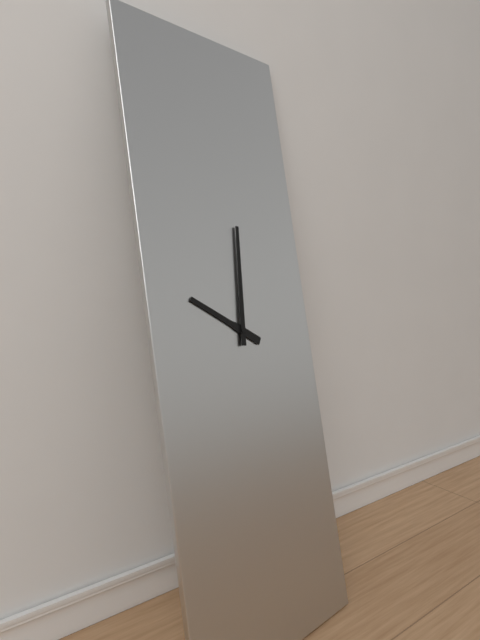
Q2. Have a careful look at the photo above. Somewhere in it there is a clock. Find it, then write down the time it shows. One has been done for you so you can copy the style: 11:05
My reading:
10:01
